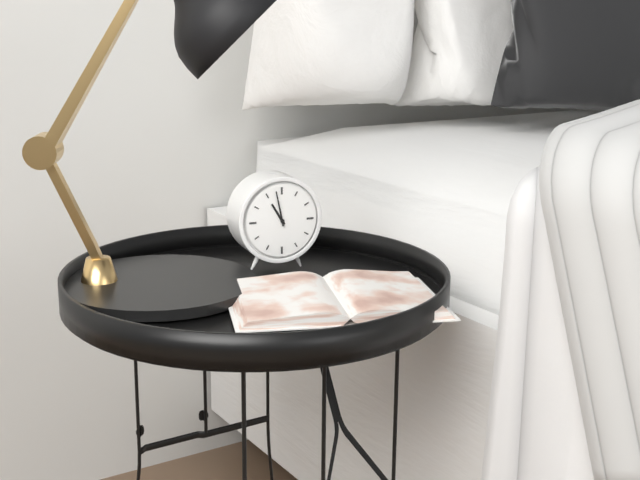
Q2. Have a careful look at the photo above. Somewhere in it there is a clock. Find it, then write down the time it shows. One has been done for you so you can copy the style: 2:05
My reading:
10:58
